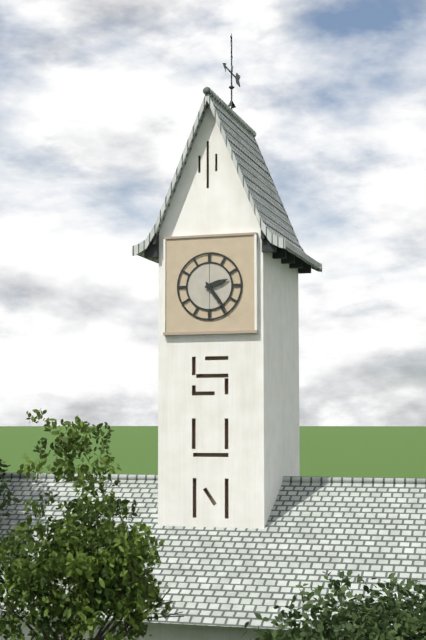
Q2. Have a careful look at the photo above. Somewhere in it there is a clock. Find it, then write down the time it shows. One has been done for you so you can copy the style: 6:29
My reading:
2:24
